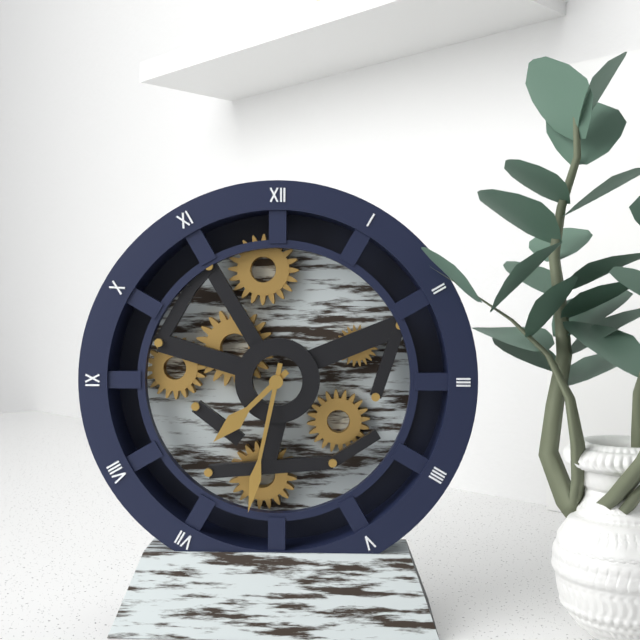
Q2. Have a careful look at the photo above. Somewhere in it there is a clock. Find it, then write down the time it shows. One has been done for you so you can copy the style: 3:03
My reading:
7:32
